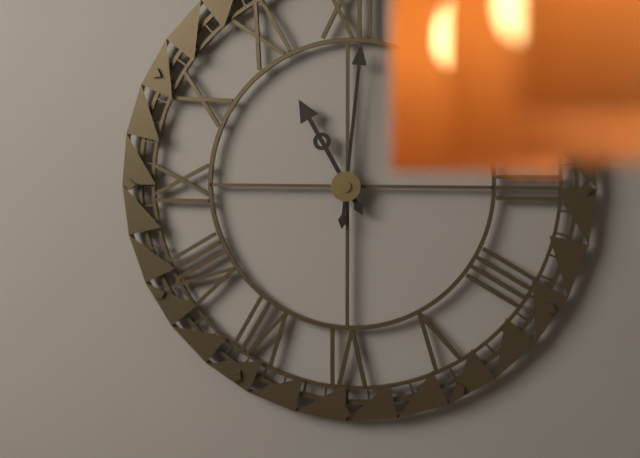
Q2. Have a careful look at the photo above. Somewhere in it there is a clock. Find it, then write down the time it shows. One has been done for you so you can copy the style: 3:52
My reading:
11:01
